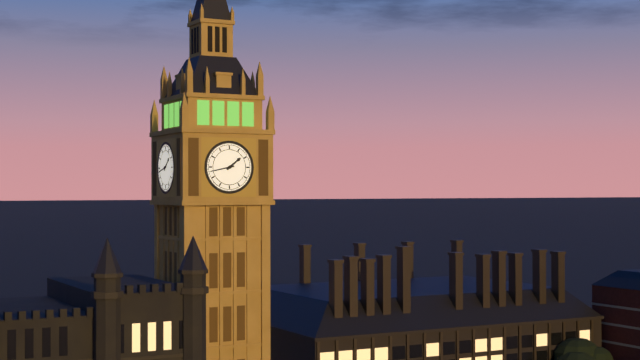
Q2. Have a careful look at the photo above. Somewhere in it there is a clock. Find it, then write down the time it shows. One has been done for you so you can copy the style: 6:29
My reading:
1:43
